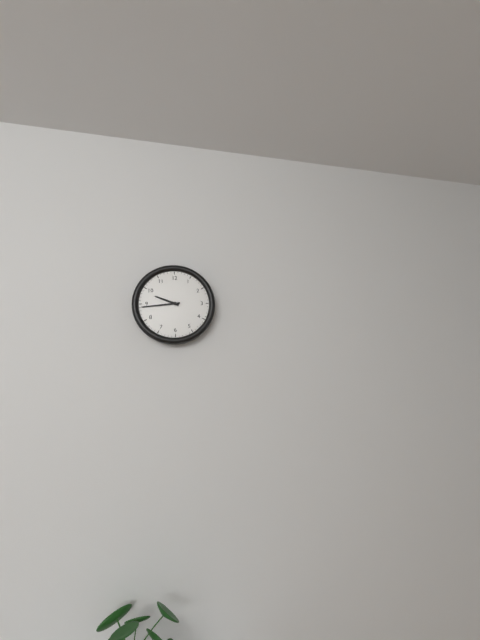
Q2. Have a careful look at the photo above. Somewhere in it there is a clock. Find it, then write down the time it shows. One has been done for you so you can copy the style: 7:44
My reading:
9:44
